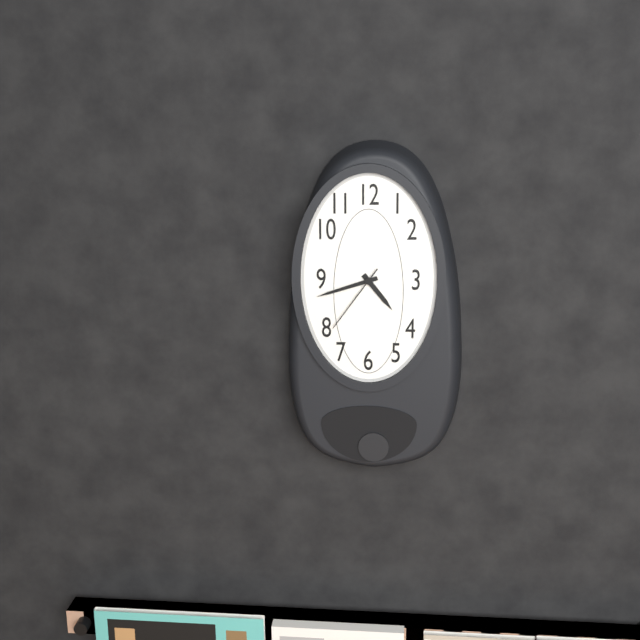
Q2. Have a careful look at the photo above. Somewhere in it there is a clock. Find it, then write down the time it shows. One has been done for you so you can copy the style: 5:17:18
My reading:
4:42:36
